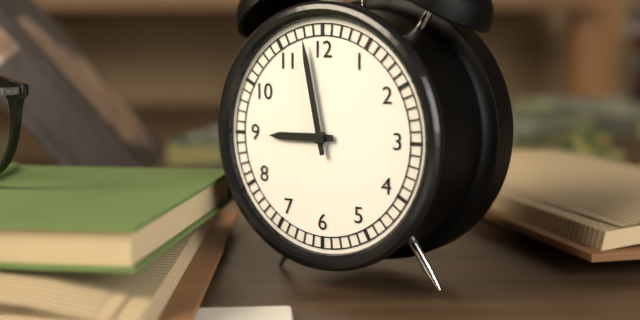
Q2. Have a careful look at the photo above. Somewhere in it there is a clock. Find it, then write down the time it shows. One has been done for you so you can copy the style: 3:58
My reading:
8:58
